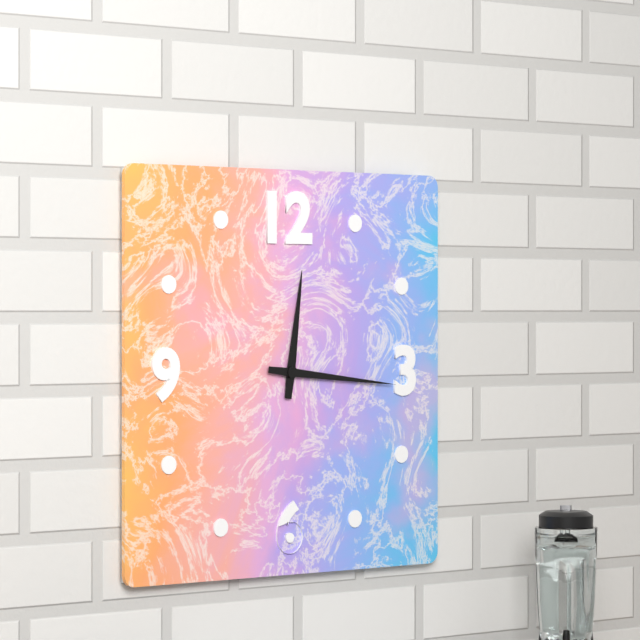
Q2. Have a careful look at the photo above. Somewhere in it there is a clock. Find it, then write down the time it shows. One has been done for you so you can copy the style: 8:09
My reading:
12:16
